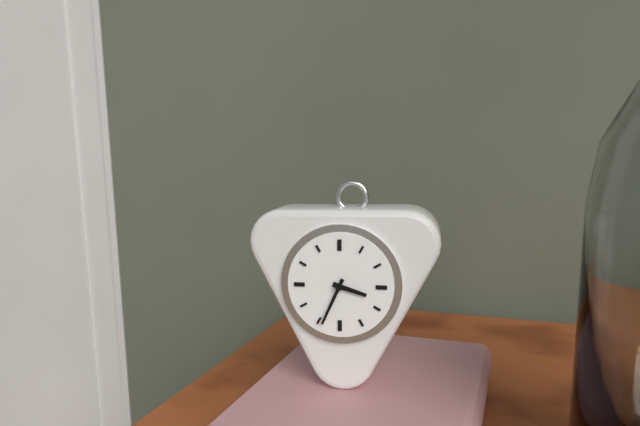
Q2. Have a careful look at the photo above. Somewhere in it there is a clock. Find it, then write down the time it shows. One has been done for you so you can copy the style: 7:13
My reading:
3:34
